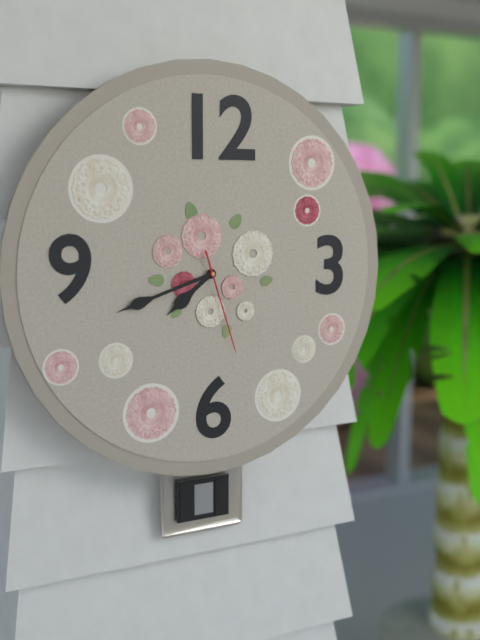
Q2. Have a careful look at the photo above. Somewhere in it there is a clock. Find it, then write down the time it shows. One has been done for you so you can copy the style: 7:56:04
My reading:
7:42:27
